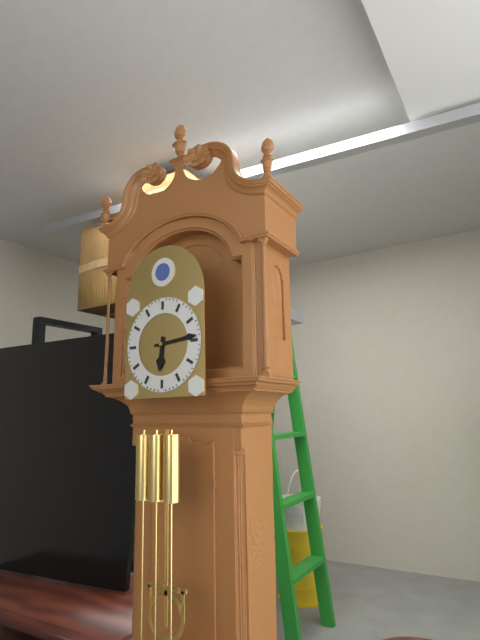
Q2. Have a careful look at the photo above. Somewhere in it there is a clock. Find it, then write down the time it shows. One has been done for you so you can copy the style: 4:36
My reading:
6:14
